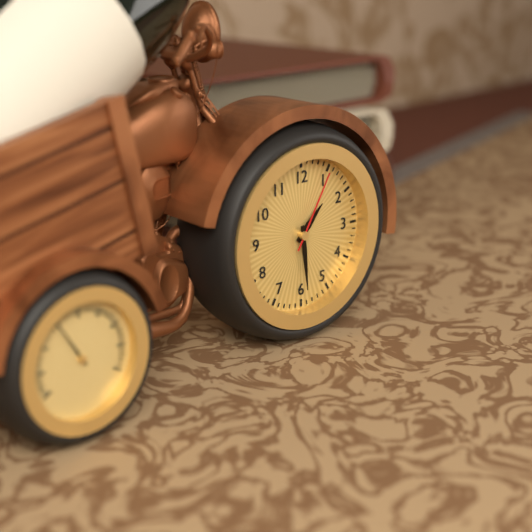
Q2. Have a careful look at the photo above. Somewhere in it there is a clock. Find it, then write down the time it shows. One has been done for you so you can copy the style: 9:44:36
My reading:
1:29:05
